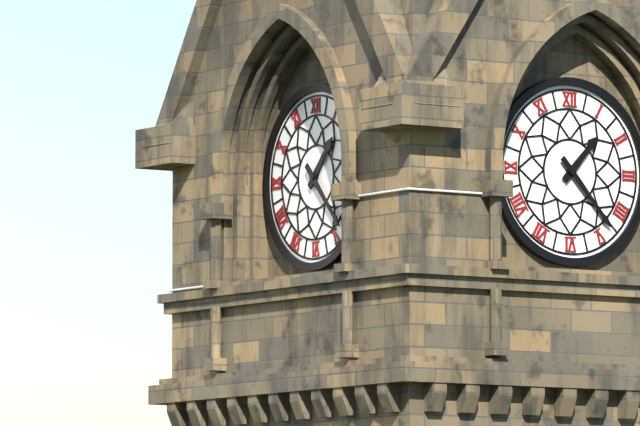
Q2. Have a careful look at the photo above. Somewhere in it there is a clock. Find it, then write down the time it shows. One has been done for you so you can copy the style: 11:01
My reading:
1:23
